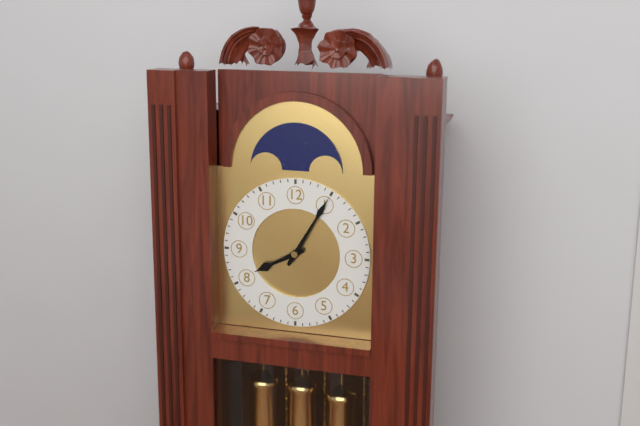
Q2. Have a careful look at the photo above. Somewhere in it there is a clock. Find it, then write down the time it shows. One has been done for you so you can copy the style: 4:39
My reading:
8:05
